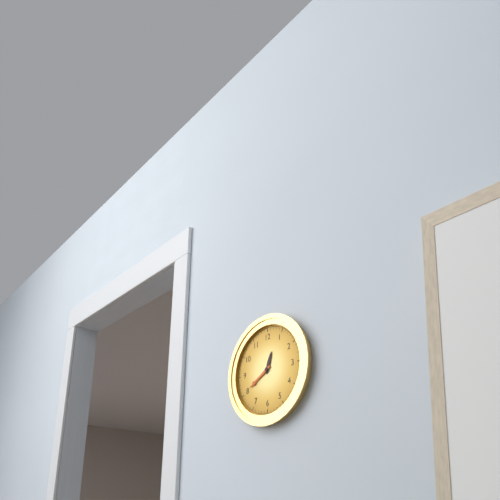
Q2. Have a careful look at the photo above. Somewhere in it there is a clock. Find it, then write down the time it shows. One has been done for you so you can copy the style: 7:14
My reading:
12:40
